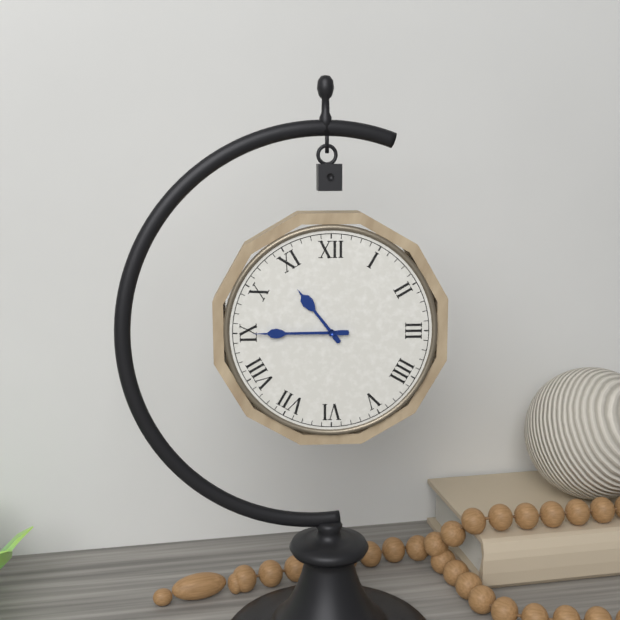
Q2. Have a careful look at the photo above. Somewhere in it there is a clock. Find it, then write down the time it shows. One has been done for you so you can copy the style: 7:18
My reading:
10:45
